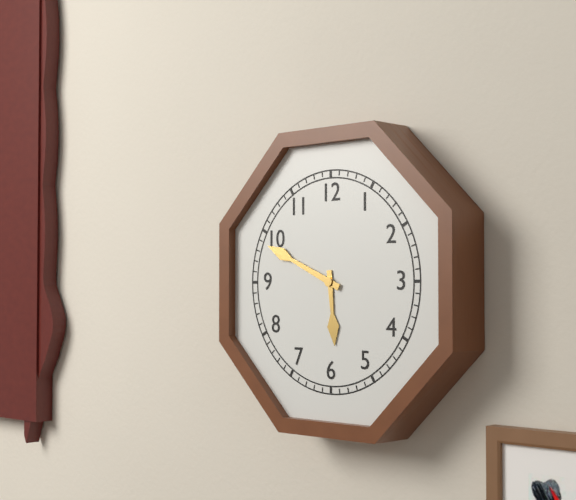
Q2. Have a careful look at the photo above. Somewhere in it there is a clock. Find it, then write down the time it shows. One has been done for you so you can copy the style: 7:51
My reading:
5:49
